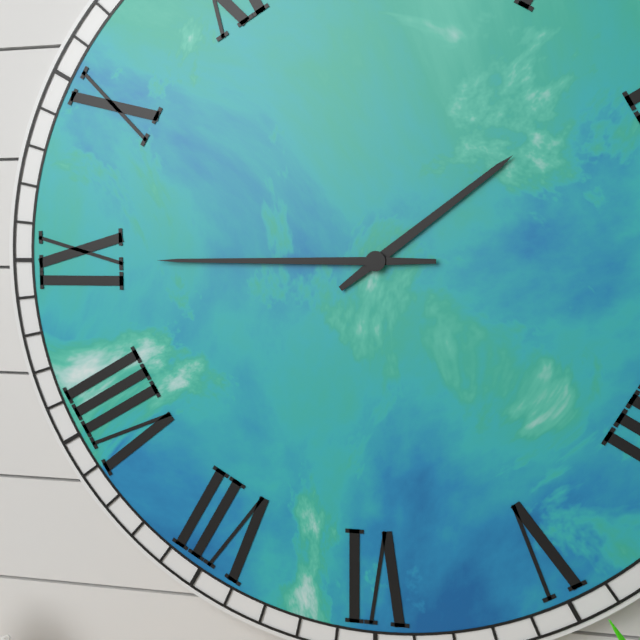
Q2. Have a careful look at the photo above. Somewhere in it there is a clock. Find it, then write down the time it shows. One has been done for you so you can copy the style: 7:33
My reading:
1:45
